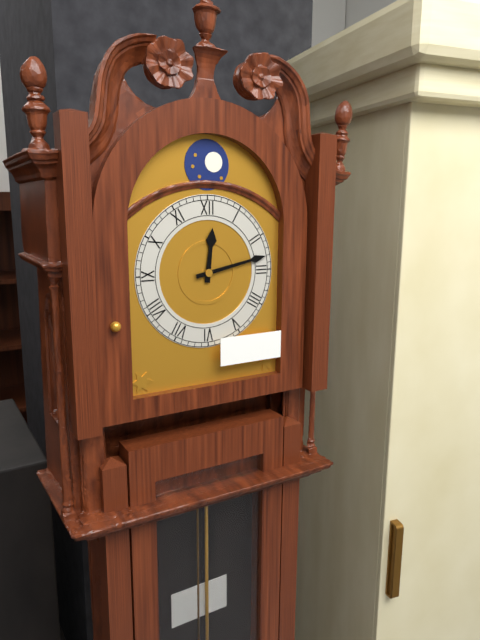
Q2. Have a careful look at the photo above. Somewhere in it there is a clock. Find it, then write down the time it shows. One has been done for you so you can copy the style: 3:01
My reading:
12:13
